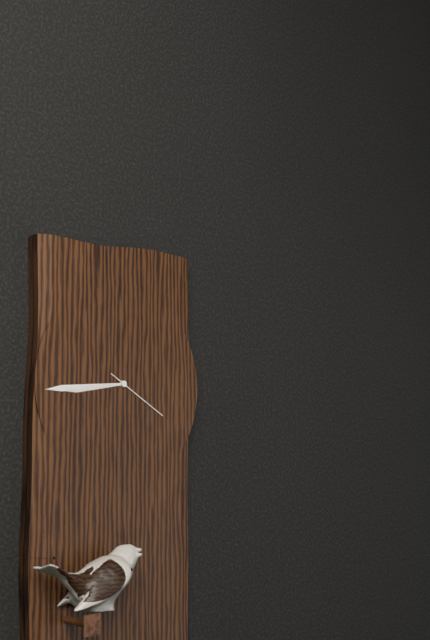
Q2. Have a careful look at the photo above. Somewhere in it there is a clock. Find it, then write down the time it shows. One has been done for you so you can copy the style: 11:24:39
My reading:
8:44:20
